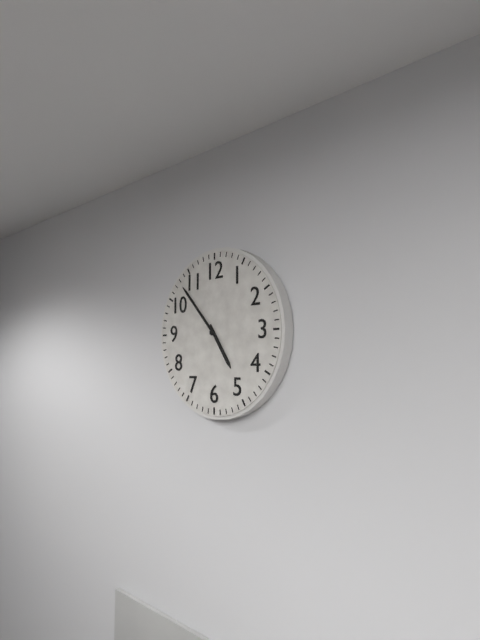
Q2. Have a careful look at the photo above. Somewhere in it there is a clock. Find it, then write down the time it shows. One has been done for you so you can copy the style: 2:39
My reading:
4:53
